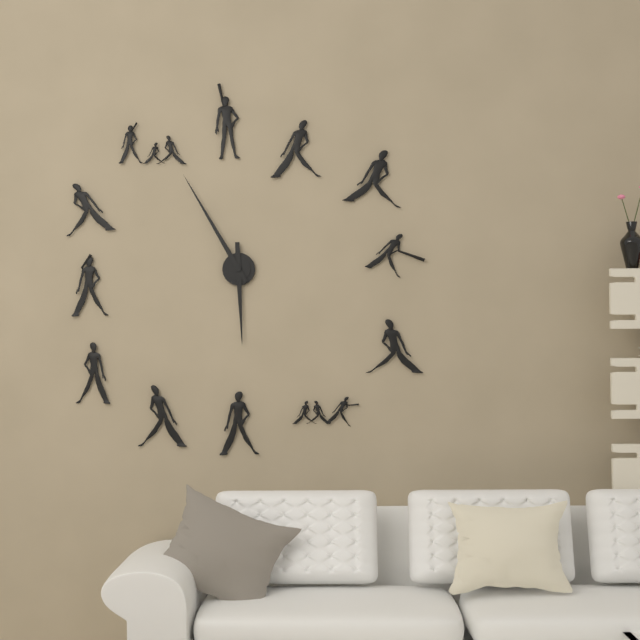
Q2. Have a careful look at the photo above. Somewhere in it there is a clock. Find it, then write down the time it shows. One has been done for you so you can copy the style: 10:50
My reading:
5:55
